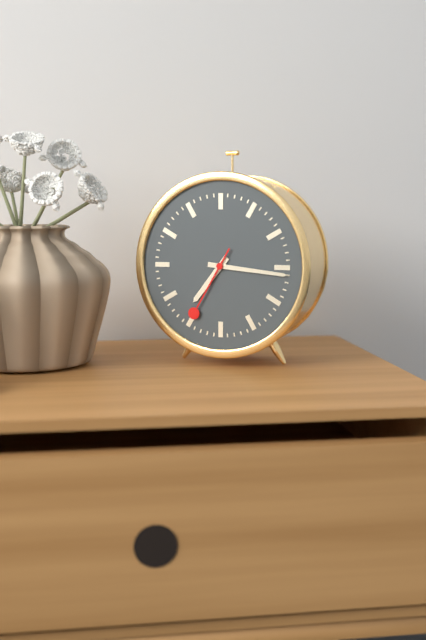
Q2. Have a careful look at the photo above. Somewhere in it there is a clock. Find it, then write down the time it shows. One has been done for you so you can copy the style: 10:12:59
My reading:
7:16:35
